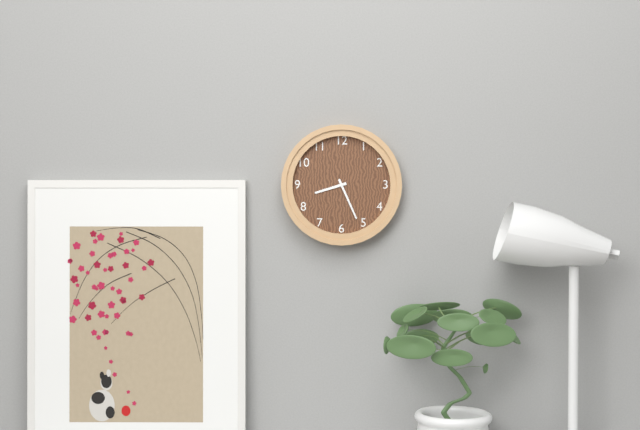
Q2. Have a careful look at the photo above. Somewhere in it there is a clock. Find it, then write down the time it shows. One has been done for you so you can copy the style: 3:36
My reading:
8:26
